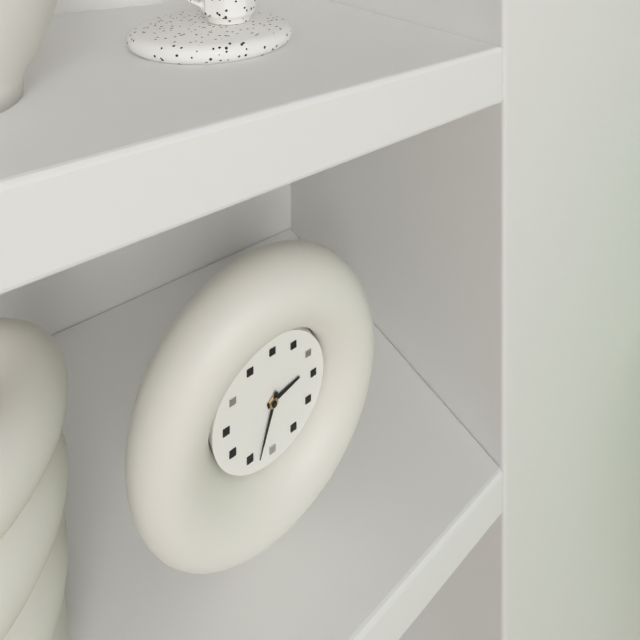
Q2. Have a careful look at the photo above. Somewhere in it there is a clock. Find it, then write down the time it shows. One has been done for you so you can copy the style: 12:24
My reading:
2:33
